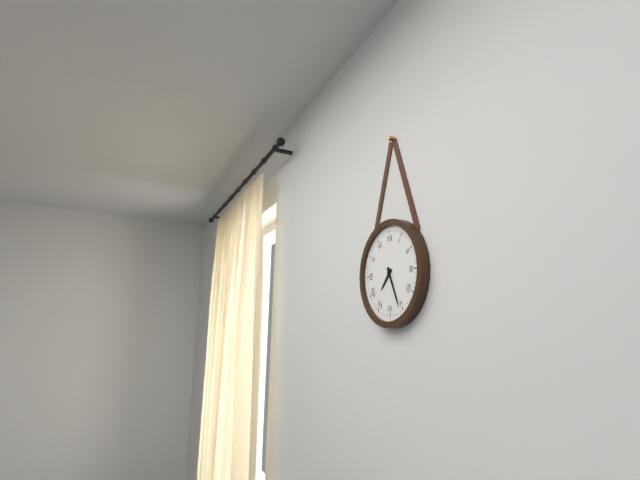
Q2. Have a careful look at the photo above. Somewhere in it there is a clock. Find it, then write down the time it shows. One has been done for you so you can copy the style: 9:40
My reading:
7:26
